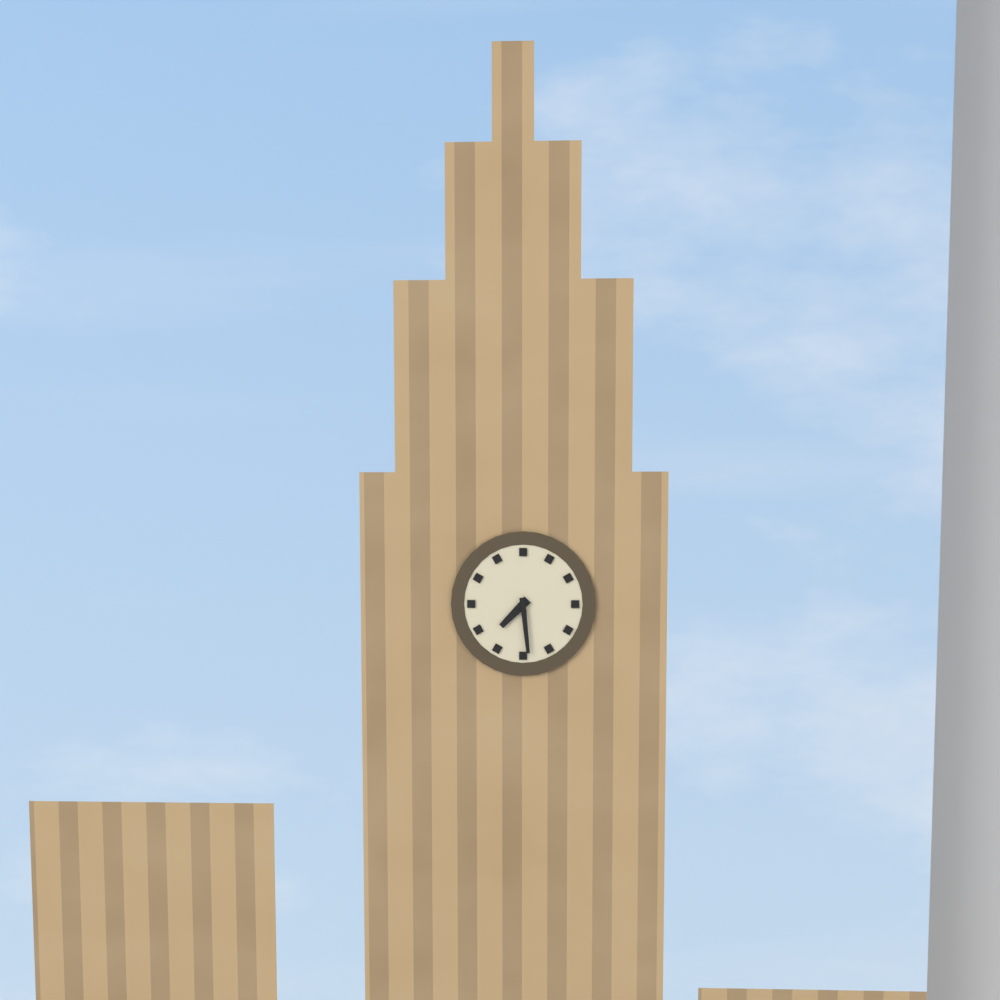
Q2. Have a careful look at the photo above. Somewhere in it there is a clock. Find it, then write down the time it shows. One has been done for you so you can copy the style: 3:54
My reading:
7:29
